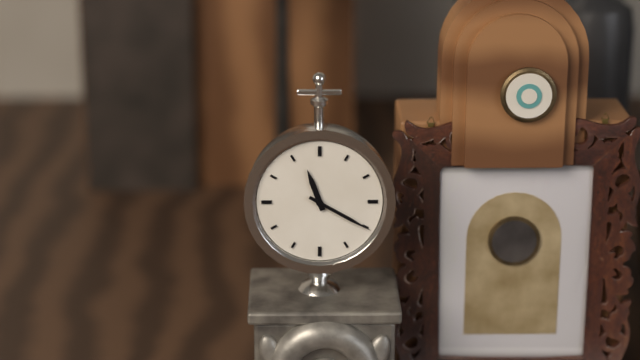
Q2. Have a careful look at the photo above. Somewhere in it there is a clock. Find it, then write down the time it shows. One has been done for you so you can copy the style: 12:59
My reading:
11:20
